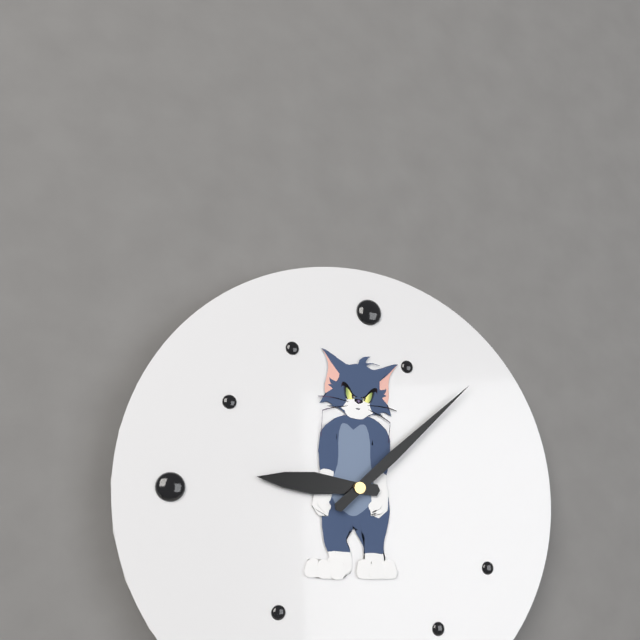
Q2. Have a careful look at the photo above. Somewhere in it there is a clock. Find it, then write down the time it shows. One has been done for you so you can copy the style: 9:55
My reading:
9:08
